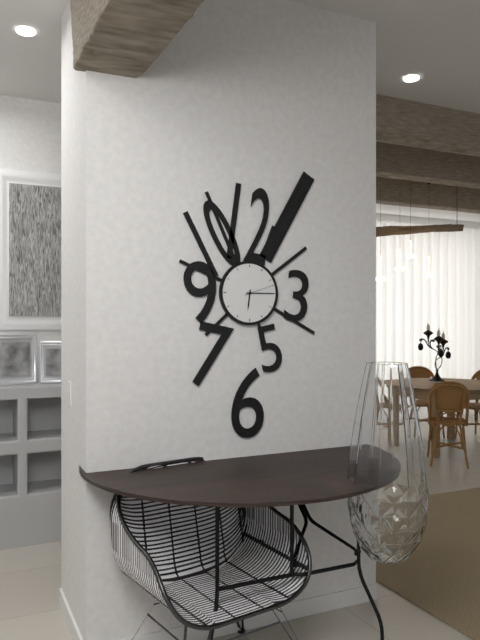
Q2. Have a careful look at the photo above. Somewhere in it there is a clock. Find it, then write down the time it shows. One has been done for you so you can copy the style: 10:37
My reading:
6:15
